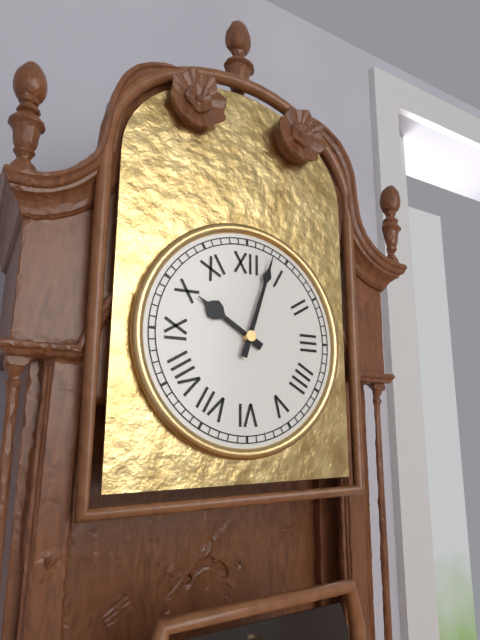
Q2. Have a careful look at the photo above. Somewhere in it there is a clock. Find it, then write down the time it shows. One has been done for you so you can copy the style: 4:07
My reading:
10:03
